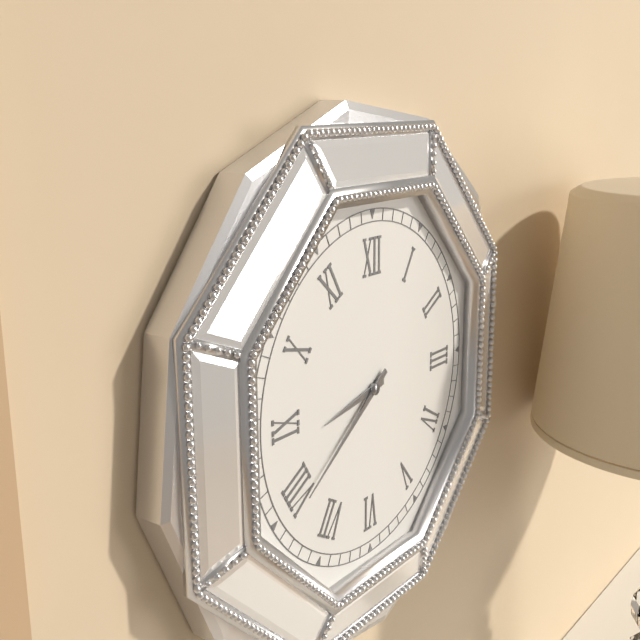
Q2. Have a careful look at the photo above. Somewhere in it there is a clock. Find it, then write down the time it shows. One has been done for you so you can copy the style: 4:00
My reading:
8:39
